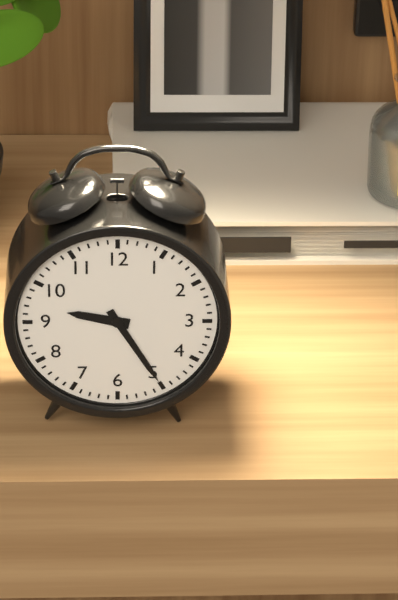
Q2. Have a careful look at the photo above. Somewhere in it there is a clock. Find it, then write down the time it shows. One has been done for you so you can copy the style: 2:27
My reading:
9:25
